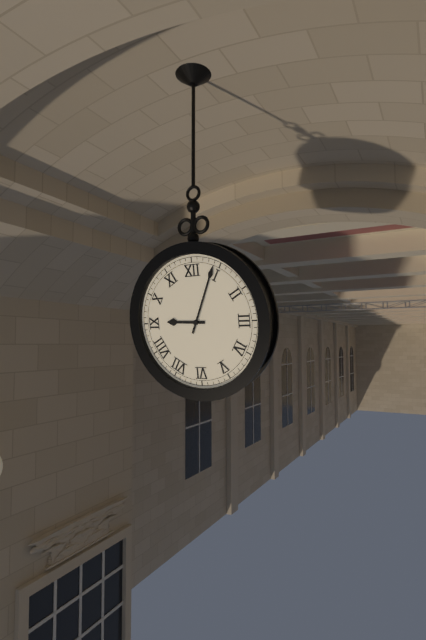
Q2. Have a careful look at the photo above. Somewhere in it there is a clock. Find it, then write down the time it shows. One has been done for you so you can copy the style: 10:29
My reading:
9:04
